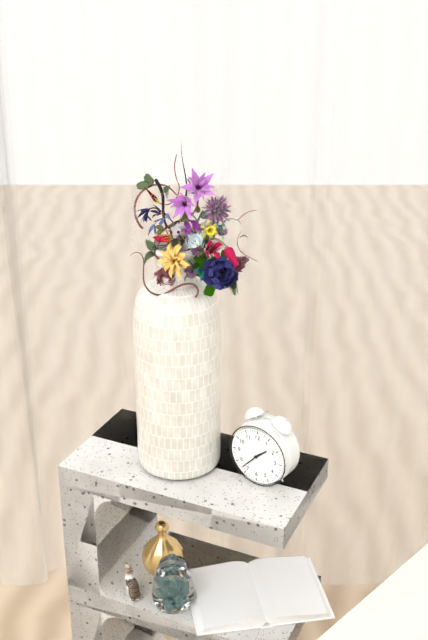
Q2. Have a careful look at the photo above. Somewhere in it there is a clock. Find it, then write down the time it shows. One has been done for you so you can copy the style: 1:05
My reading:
1:37
